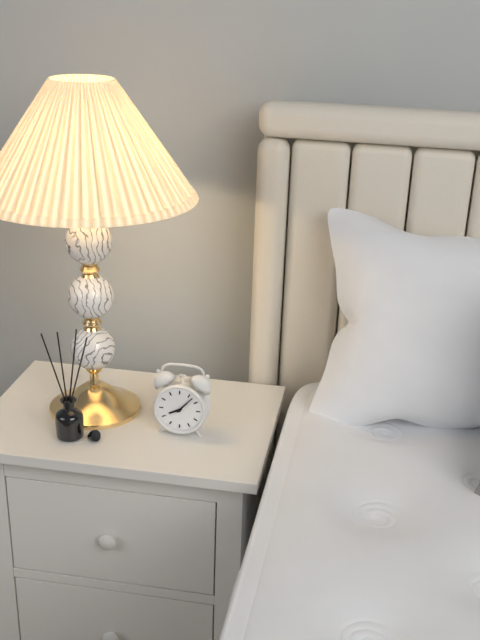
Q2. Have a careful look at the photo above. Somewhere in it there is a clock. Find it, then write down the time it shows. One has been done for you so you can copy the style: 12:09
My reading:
8:07
